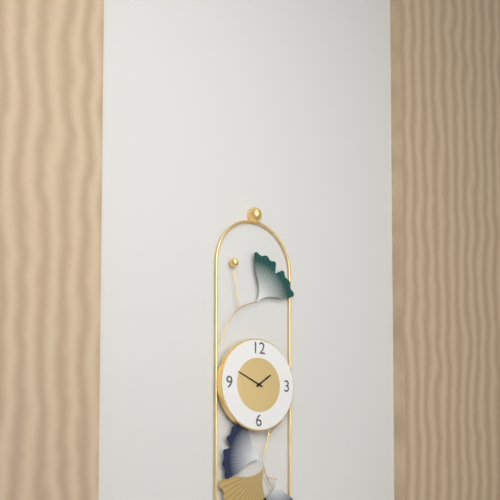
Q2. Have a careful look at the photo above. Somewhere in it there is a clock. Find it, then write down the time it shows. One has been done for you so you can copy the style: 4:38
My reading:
1:49
